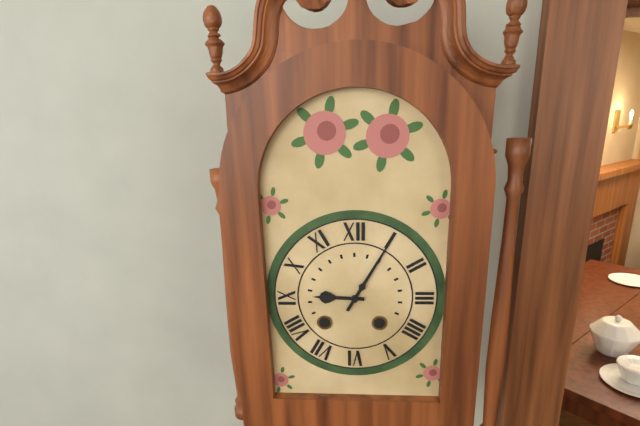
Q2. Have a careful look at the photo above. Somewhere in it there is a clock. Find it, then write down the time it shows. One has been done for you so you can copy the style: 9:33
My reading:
9:05
